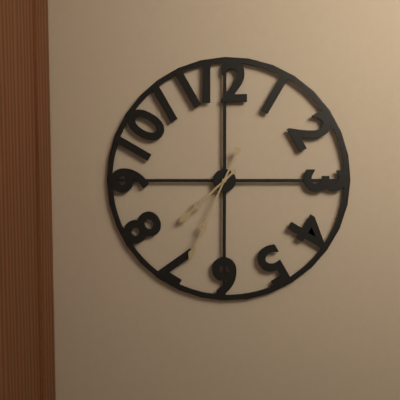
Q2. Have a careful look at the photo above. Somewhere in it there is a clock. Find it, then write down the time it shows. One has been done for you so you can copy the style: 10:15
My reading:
7:34
